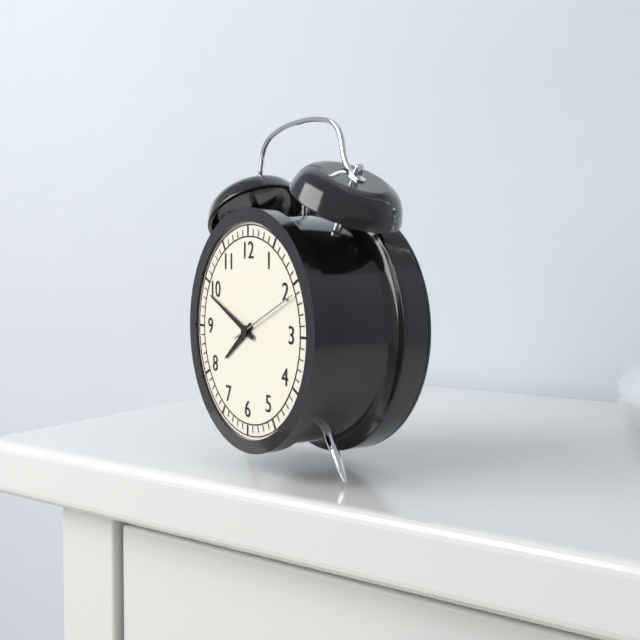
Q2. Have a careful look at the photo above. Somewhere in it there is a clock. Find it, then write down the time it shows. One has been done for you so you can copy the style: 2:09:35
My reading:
7:49:11
